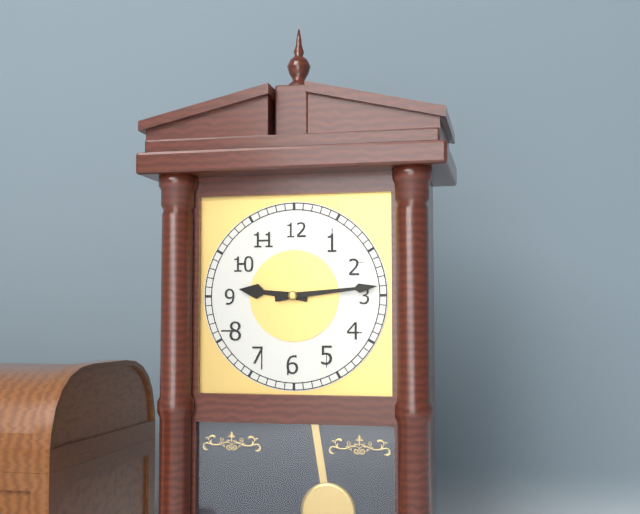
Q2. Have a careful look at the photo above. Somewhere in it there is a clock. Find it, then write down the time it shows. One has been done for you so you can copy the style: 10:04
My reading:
9:14
